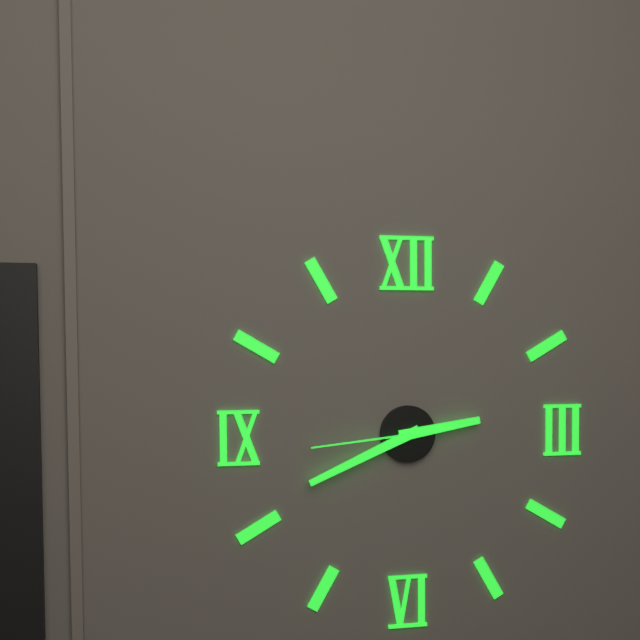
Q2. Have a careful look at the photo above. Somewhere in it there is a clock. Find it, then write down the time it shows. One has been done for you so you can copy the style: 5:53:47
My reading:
2:41:44
